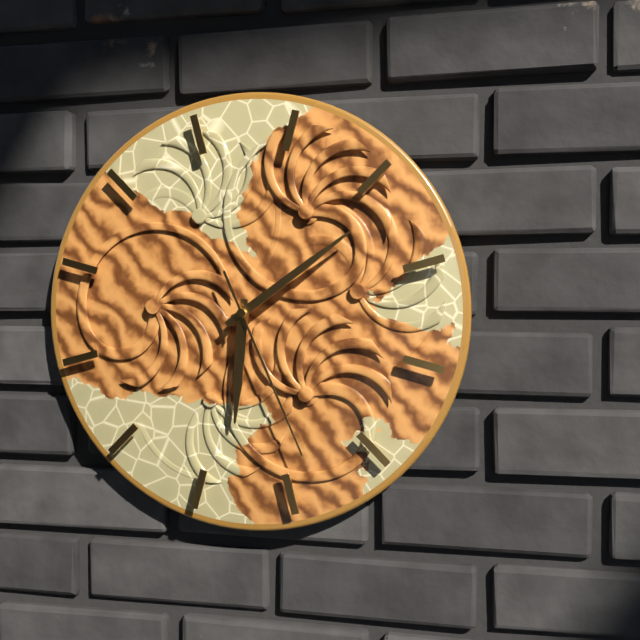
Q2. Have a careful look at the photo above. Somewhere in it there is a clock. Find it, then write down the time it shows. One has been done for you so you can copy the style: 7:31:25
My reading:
6:09:26
